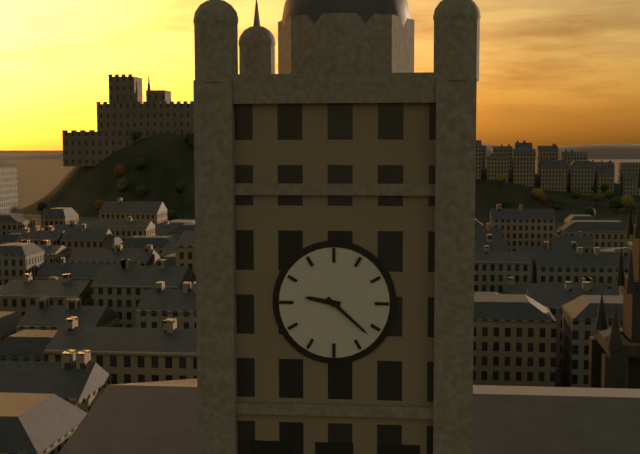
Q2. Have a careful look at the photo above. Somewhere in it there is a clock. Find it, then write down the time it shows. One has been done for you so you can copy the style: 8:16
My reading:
9:22
